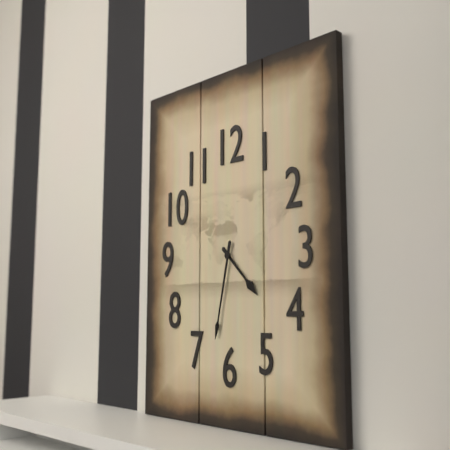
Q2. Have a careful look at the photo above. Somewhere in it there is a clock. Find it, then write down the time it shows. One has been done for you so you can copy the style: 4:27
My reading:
4:32
